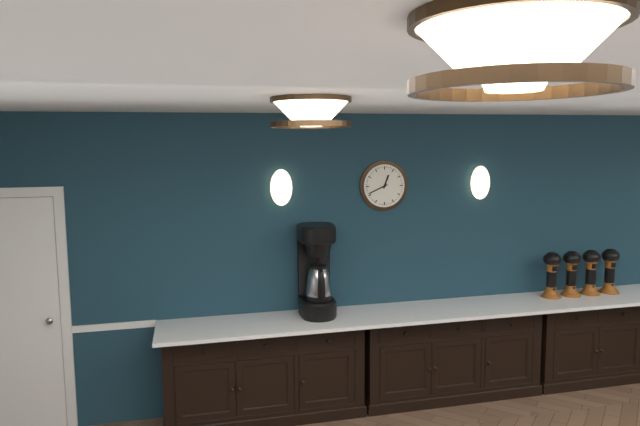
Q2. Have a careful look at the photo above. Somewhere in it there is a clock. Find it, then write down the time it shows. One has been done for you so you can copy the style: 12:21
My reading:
12:41
